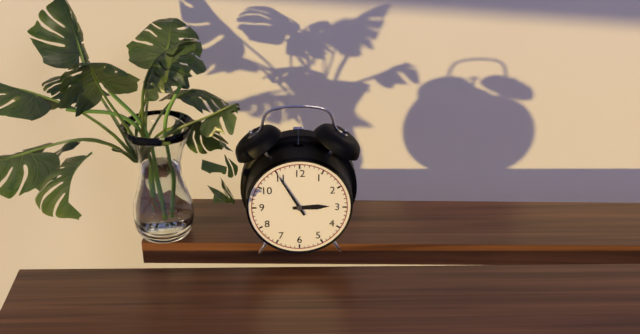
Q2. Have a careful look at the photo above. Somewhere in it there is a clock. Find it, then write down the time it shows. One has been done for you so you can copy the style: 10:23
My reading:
2:55
